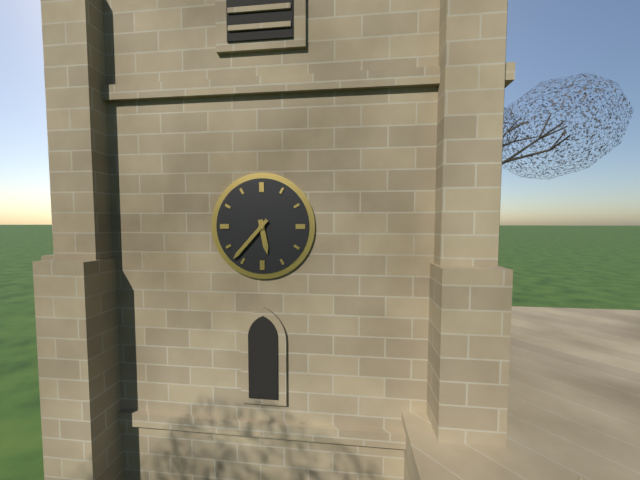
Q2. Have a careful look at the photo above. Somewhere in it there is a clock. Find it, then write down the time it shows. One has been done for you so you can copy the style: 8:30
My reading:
5:37
